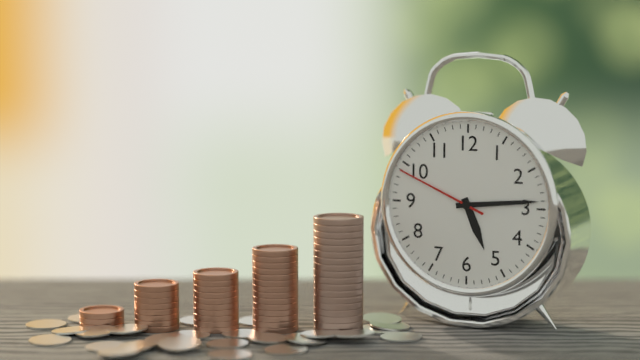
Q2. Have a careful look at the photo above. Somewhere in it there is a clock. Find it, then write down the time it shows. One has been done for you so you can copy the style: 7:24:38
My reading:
5:14:49
